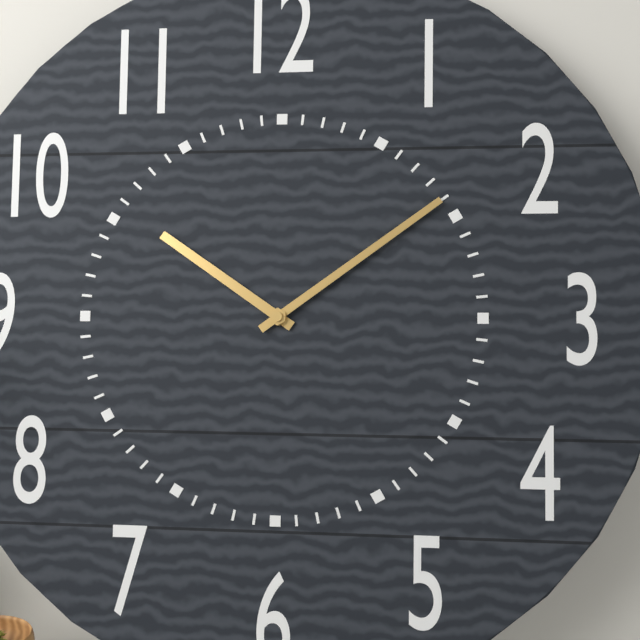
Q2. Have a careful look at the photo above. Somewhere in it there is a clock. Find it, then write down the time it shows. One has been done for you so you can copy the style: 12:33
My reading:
10:09
